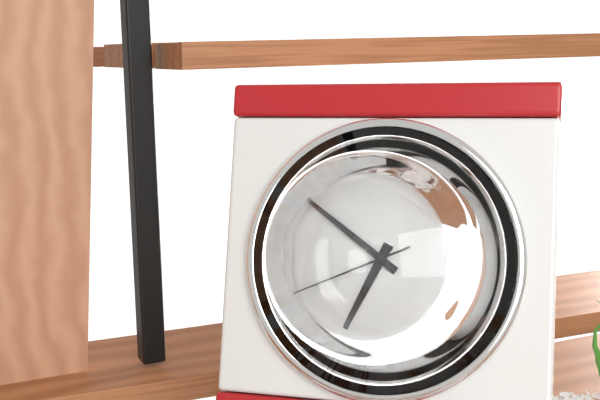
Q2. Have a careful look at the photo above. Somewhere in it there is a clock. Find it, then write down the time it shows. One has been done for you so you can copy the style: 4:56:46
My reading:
6:51:41
